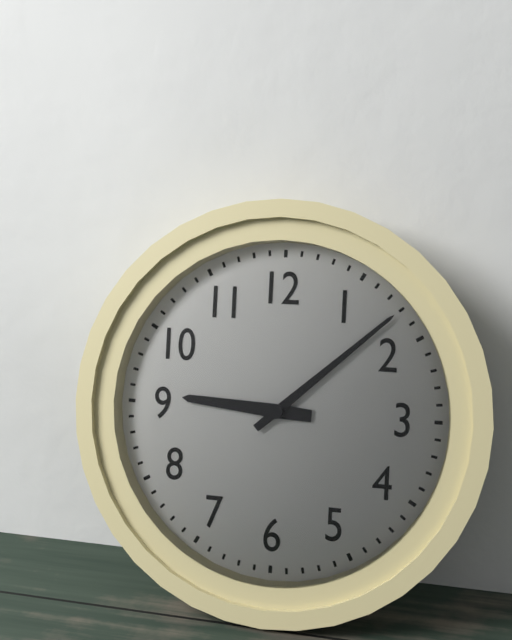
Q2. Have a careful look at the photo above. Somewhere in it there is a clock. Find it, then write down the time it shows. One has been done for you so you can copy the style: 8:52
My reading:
9:08
